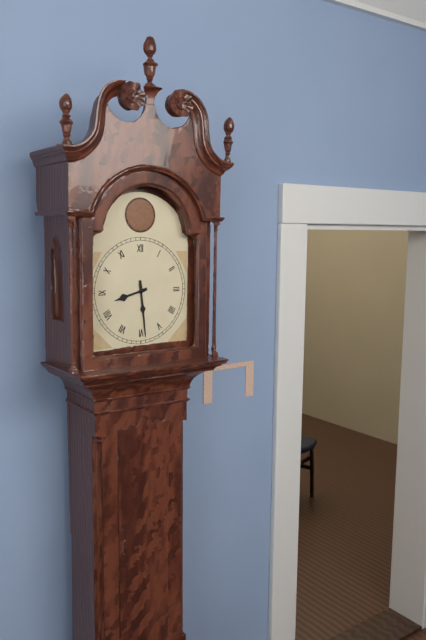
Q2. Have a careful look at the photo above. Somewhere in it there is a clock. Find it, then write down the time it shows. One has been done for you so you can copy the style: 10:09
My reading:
8:29
